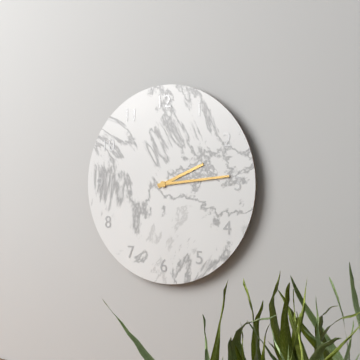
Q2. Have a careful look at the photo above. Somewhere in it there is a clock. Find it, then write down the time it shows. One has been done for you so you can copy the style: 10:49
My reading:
2:14
